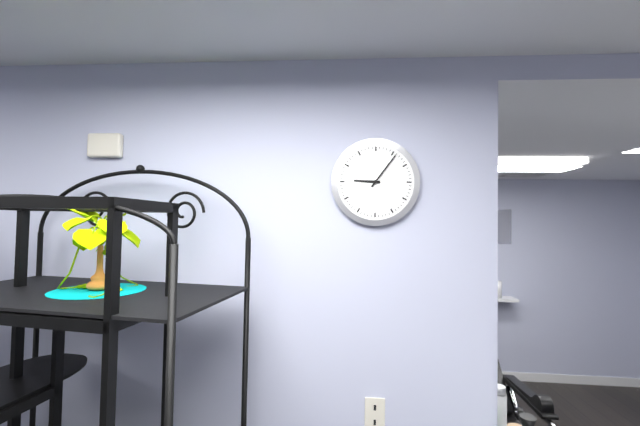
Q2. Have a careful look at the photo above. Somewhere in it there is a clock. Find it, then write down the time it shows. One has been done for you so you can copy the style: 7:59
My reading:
9:06
